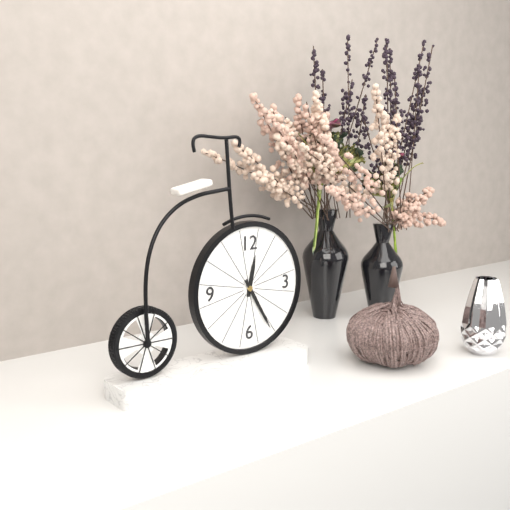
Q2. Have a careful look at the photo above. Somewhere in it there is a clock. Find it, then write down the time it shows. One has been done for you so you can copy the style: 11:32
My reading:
12:25
